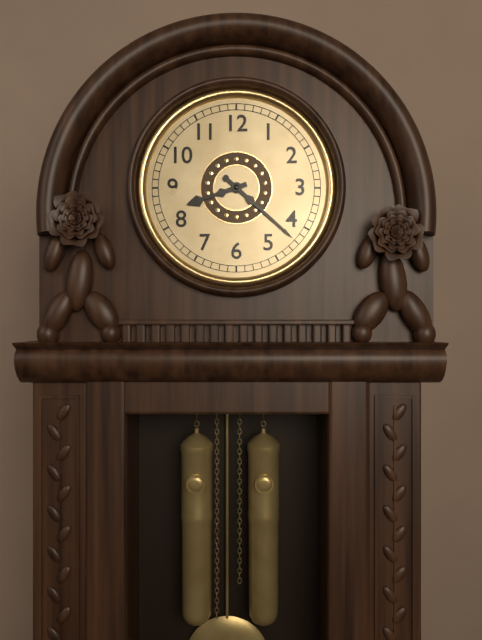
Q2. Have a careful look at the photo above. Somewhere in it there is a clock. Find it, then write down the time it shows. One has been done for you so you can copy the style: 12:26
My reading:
8:22
